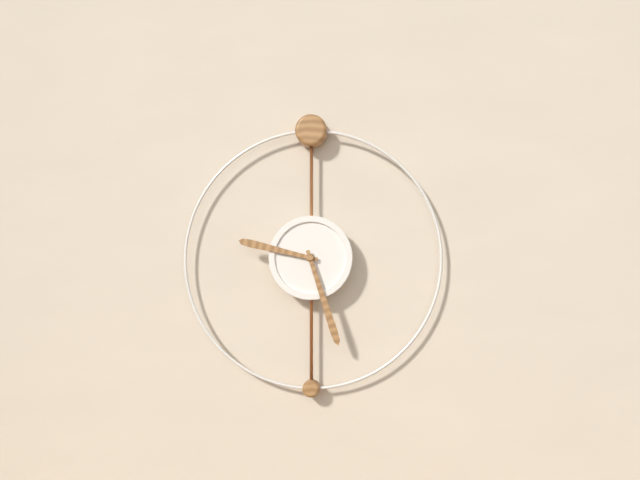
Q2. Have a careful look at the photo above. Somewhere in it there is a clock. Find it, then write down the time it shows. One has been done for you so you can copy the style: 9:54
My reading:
9:27
